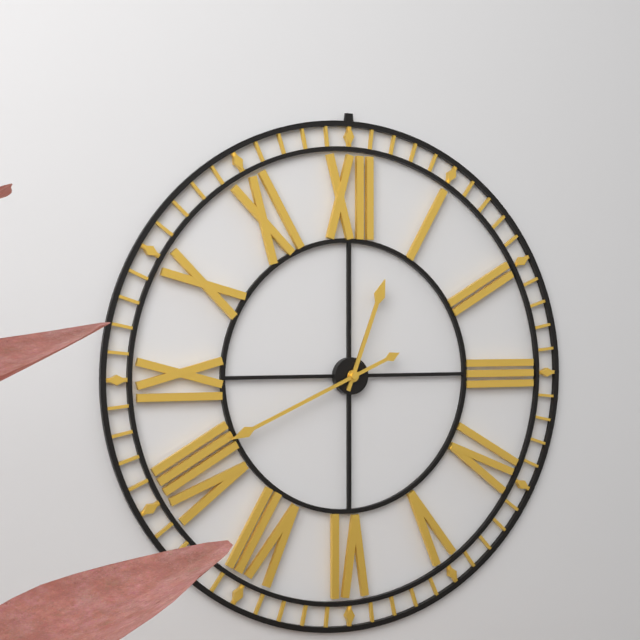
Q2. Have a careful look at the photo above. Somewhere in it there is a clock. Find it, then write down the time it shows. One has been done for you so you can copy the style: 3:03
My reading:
12:41
